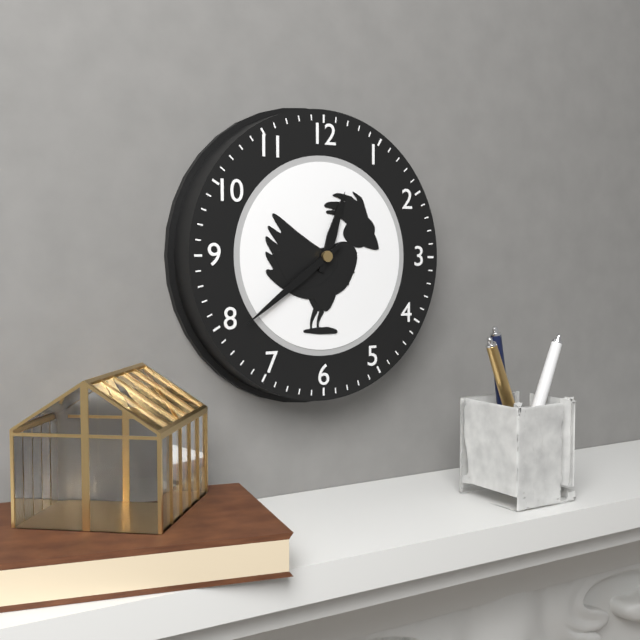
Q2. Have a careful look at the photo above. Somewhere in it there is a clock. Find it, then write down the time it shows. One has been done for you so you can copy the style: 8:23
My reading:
12:39
